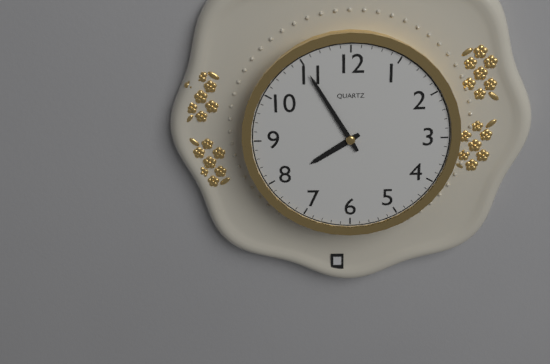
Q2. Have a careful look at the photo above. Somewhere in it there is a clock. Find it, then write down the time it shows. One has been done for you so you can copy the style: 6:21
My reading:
7:55
